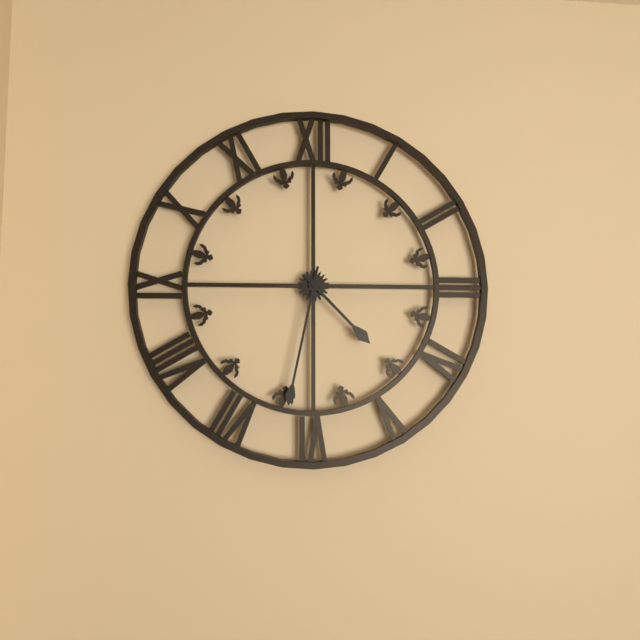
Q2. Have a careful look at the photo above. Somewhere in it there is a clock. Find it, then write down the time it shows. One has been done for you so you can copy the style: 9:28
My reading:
4:32
